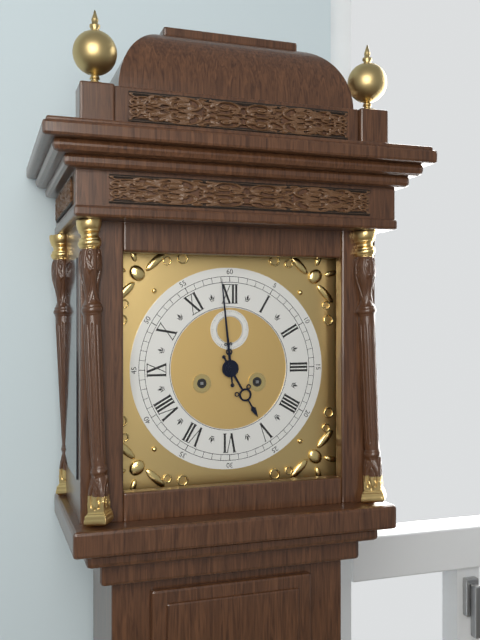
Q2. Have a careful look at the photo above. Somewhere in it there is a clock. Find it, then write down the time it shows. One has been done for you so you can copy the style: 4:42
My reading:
4:59
